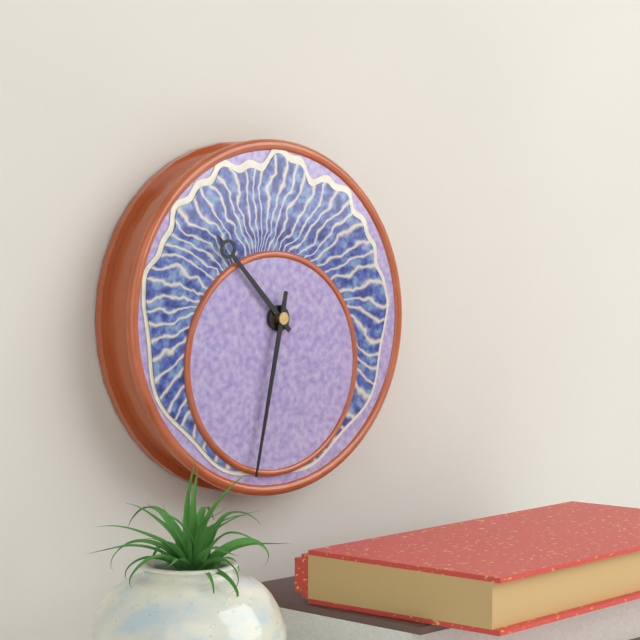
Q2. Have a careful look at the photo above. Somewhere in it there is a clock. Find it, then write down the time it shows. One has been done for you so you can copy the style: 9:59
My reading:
10:32
